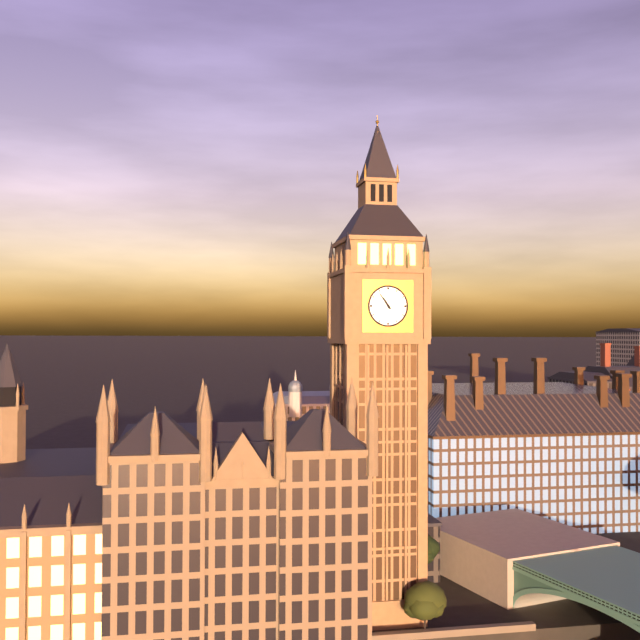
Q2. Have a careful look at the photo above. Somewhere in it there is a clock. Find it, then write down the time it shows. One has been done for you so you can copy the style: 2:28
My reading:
10:54
